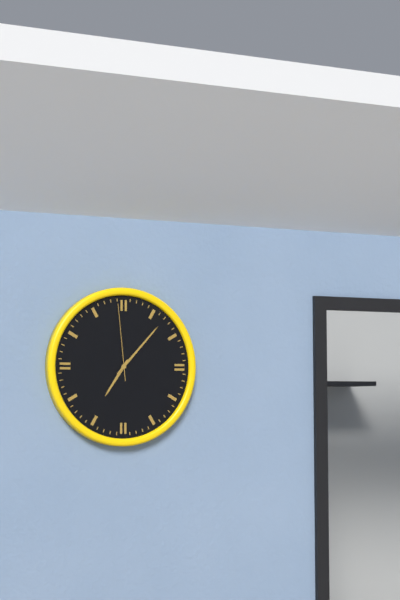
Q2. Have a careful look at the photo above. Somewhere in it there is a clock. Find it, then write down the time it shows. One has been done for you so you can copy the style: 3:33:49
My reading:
7:07:59
